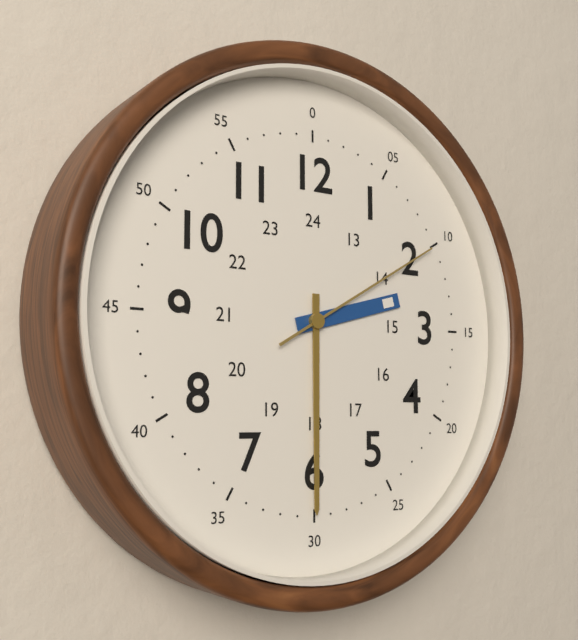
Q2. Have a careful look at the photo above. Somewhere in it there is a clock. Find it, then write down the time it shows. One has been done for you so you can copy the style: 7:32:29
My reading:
2:30:10
